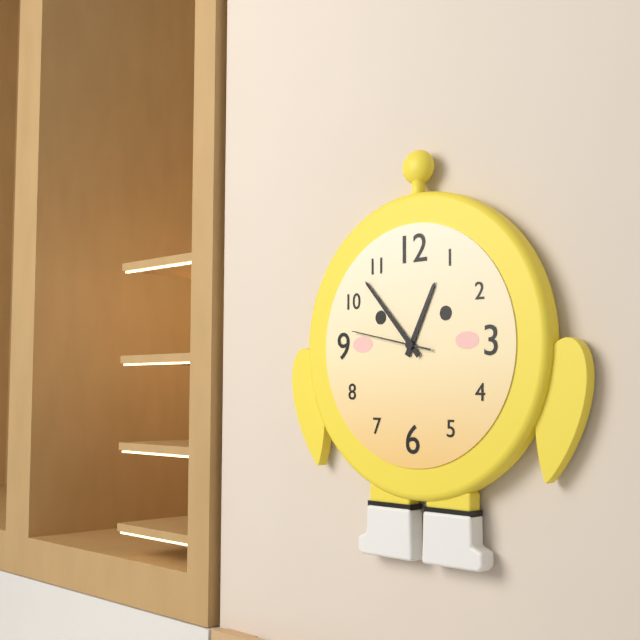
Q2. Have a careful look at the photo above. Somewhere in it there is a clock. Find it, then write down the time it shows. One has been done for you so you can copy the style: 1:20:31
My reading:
12:53:47
